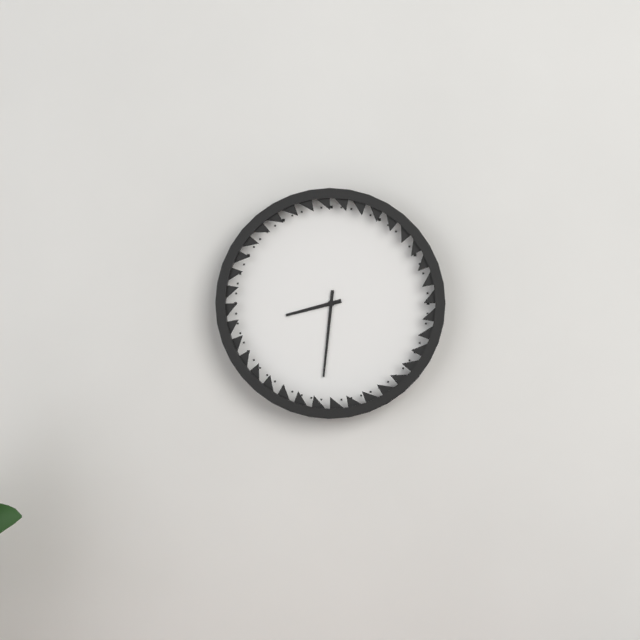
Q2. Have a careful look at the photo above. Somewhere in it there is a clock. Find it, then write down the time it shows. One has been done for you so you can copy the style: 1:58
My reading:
8:31
